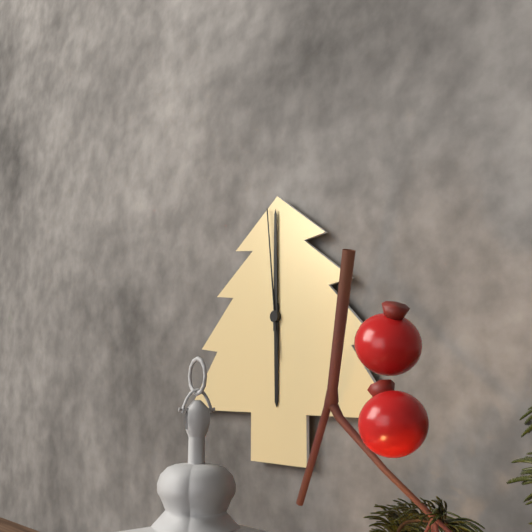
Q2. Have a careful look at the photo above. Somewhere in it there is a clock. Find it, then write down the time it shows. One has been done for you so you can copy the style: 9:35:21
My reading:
6:00:59
